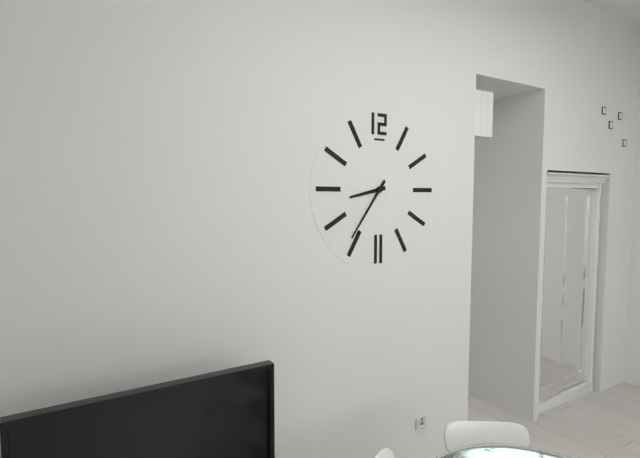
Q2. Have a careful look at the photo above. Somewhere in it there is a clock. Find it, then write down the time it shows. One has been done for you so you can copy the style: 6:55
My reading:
8:36
